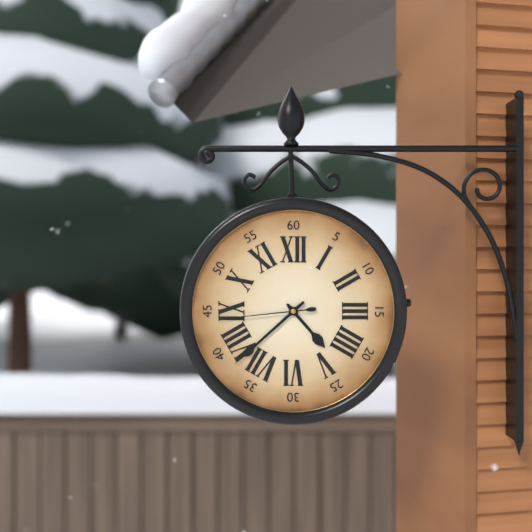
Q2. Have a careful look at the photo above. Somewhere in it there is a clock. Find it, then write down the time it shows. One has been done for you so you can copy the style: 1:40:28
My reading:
4:38:44
